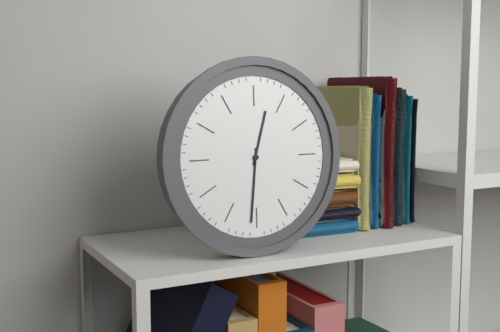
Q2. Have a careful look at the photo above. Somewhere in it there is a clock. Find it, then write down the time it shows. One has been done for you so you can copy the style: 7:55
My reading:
12:31
